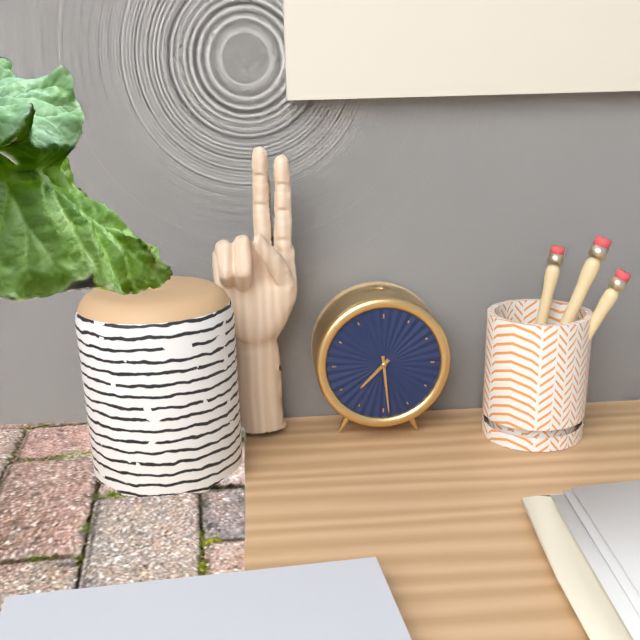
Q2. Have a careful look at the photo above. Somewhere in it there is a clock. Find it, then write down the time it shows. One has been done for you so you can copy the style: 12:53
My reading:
7:29
